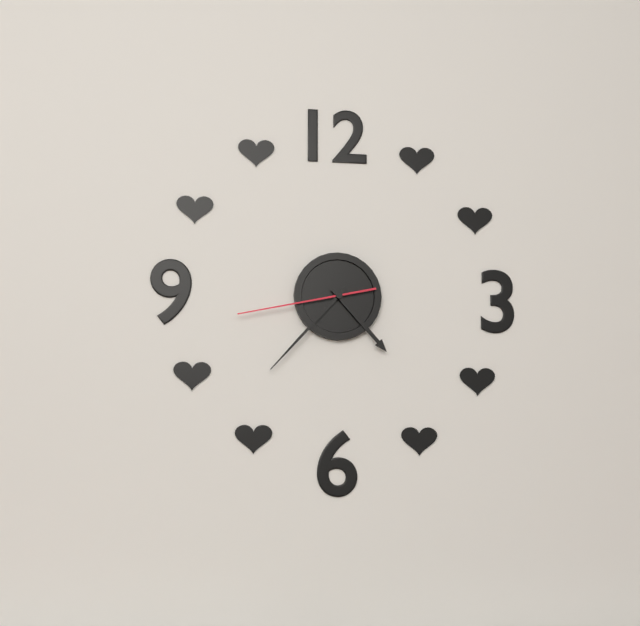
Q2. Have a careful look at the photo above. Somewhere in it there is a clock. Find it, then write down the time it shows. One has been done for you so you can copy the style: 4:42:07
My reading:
4:37:43
